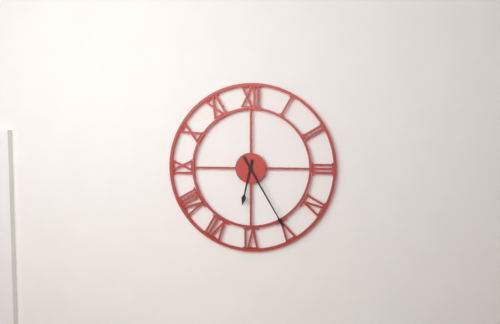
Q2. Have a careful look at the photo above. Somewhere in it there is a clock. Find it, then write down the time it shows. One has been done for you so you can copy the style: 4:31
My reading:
6:25
